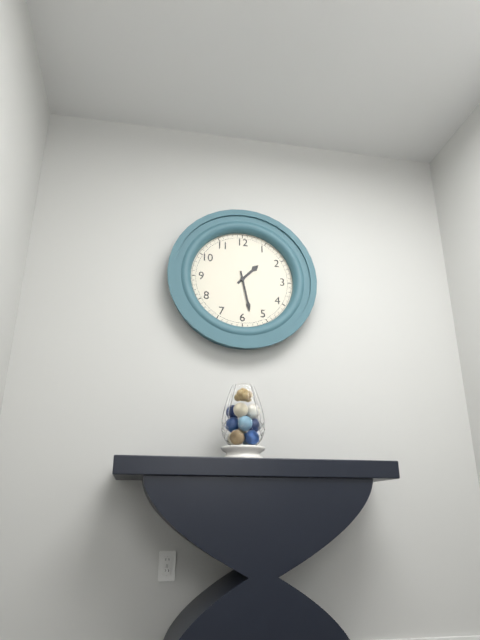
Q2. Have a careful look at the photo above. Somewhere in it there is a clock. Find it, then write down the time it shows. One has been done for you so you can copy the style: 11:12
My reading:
1:28
